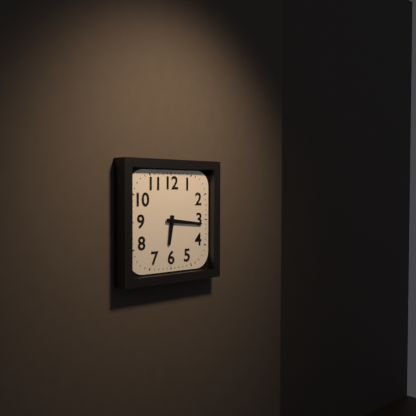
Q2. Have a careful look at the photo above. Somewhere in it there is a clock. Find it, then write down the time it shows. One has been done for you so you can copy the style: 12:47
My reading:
6:16
